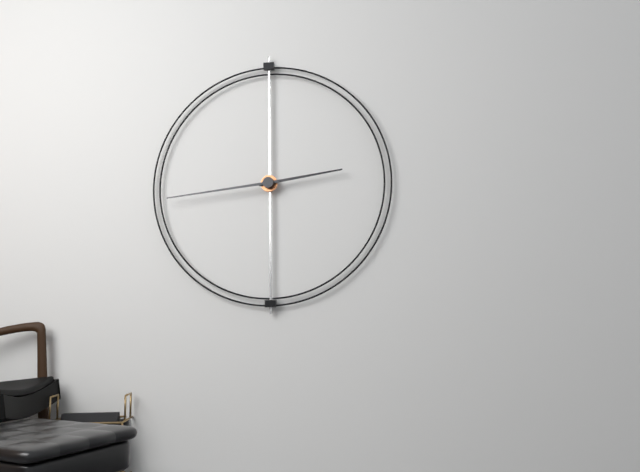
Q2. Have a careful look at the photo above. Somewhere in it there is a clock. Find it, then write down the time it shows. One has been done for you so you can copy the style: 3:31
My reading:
2:44
